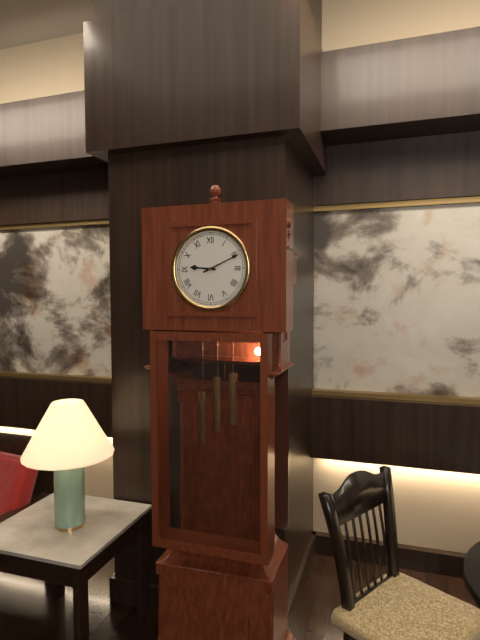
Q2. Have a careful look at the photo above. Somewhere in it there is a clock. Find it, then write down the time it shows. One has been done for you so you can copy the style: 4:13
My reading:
9:11
